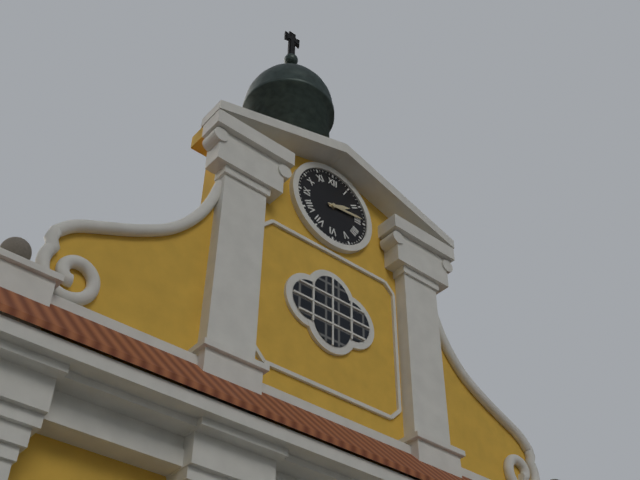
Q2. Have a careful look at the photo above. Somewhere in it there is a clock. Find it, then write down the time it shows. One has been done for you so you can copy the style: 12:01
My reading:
2:14
